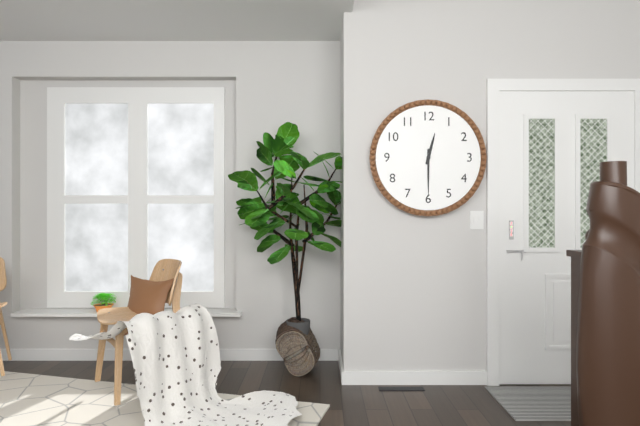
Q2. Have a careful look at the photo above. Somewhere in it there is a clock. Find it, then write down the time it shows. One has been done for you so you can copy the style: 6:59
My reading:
12:30
